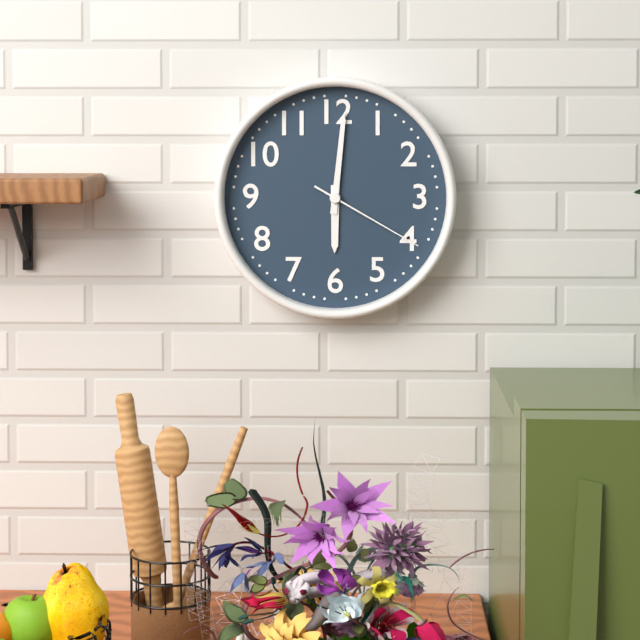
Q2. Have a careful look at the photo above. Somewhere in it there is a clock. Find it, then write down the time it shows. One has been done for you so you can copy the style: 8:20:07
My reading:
6:01:20
